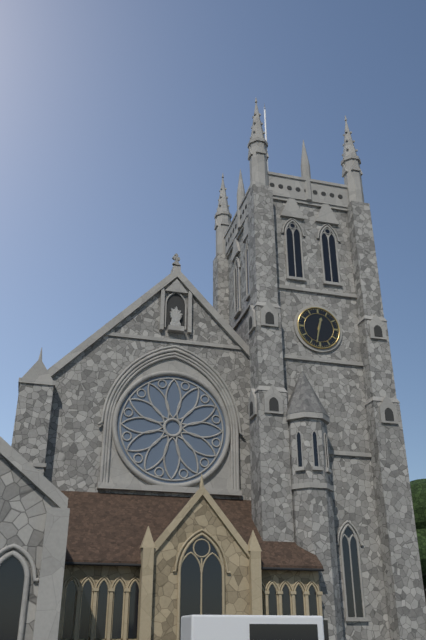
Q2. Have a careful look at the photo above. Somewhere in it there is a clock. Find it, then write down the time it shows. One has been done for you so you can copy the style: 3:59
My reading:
12:32
